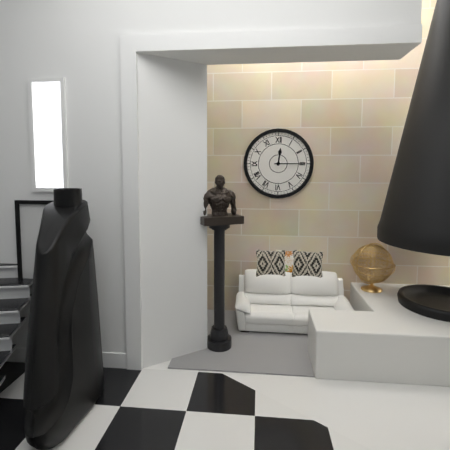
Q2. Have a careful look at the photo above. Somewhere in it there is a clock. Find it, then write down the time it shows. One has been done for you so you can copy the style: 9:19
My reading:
12:15
